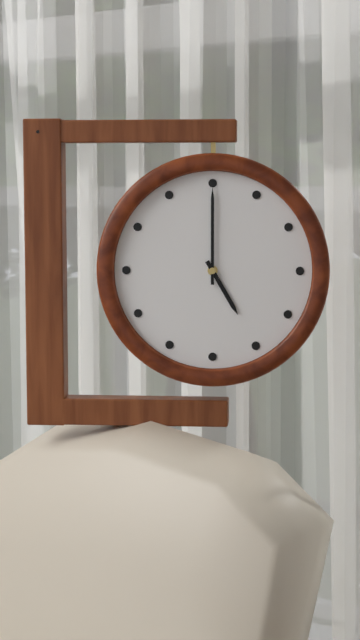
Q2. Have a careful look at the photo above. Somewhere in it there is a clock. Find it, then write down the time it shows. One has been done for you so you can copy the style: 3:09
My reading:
5:00
